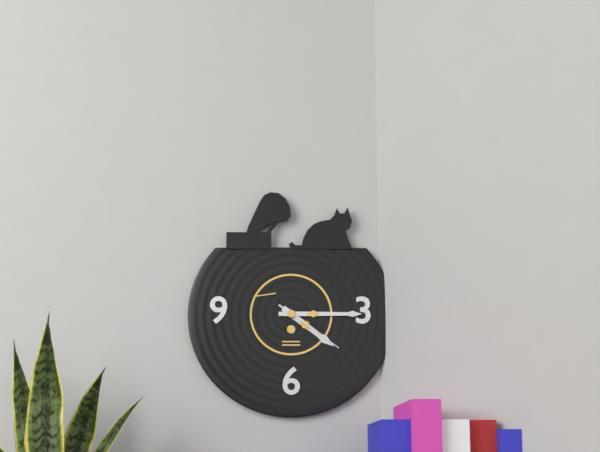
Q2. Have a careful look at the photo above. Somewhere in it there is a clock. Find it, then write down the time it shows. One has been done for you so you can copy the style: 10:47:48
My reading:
4:15:21
